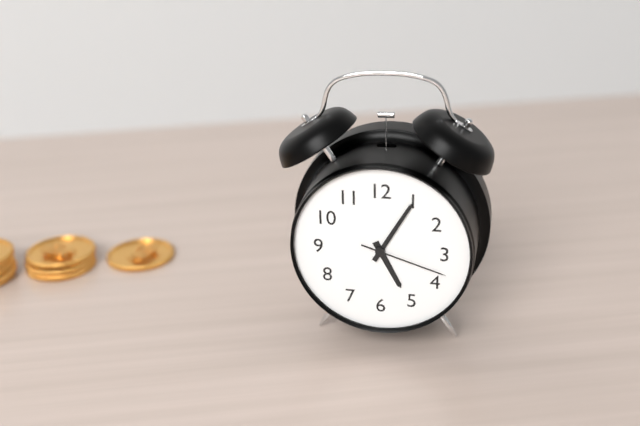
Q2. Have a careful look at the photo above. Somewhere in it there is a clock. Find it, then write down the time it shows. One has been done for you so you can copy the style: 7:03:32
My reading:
5:05:18
